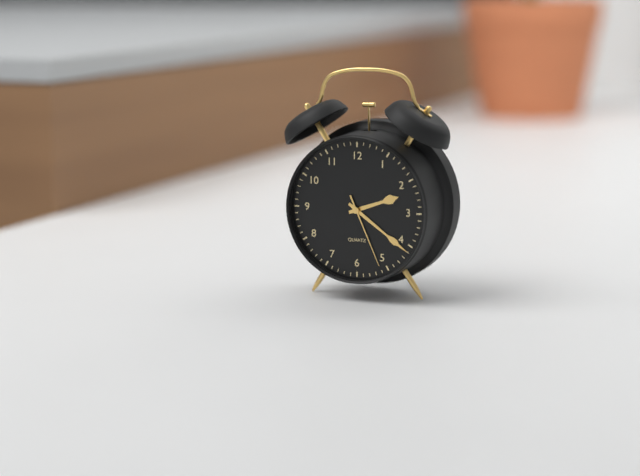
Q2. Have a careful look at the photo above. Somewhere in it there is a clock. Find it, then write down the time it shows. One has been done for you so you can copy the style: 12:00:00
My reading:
2:21:26
